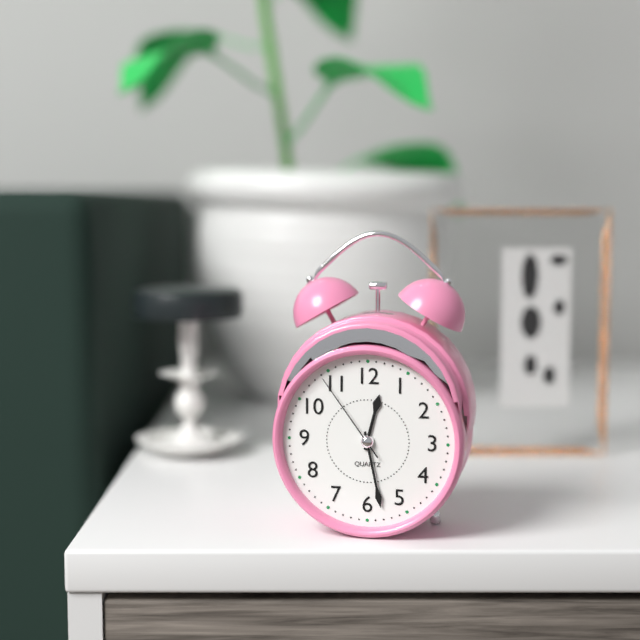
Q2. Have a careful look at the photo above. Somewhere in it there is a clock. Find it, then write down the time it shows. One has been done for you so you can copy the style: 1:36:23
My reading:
12:28:54
